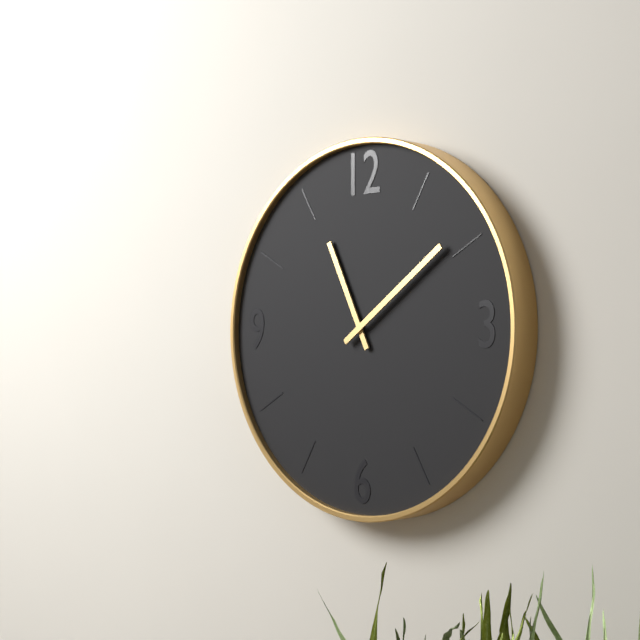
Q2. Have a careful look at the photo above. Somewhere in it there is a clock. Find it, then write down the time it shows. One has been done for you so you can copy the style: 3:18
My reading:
11:09
